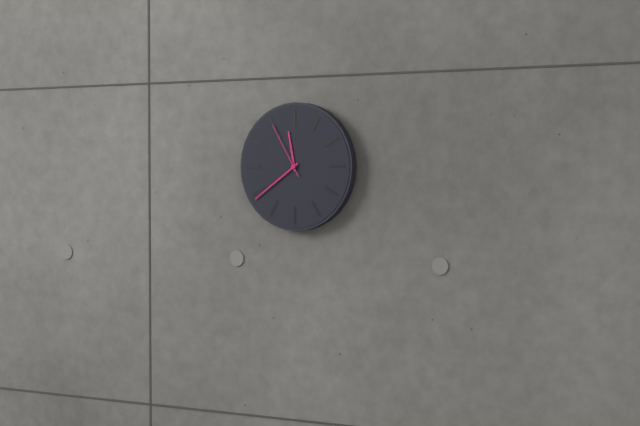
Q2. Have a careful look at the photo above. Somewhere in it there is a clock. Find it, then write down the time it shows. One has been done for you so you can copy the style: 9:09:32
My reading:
11:39:55
